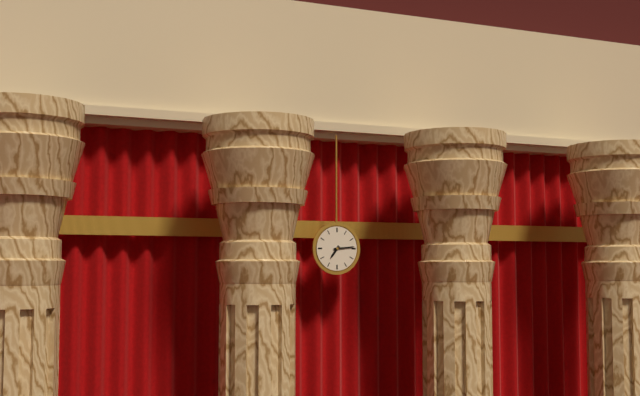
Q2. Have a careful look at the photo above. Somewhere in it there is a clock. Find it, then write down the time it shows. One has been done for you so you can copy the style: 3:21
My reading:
7:14
